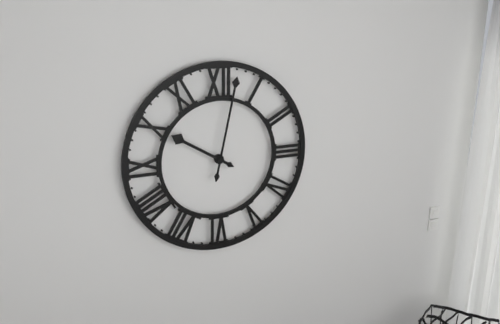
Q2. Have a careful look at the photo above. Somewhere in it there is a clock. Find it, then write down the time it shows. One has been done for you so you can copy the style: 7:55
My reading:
10:02
